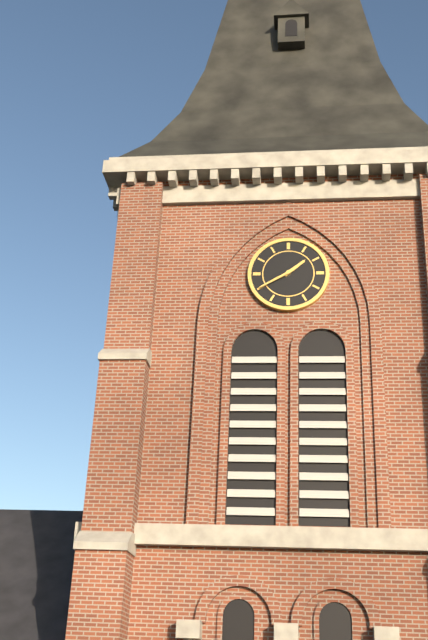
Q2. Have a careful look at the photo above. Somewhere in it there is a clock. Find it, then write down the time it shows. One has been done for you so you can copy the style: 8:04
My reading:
1:40
